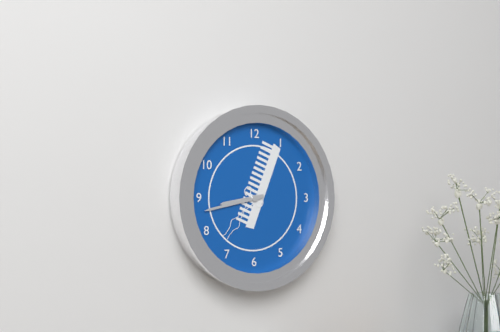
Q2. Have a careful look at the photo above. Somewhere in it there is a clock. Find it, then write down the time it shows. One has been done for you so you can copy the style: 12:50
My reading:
8:43
